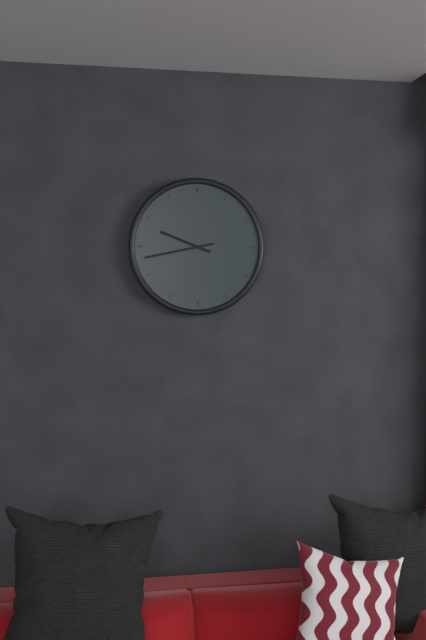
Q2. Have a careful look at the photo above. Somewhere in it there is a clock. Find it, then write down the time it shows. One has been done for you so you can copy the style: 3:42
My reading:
9:43
